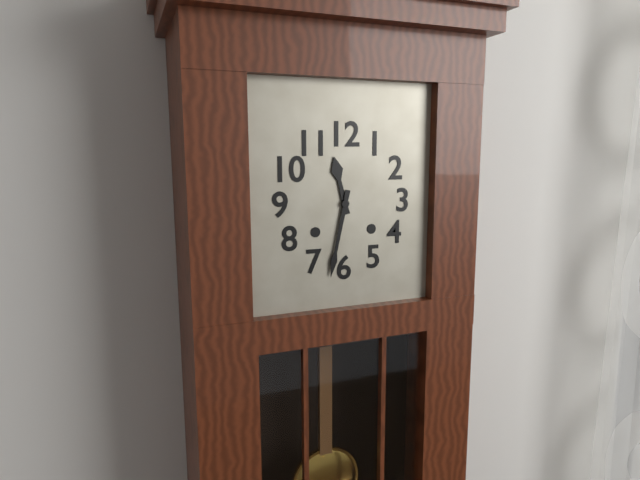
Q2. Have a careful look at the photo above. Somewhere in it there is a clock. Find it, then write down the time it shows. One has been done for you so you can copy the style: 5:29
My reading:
11:32
